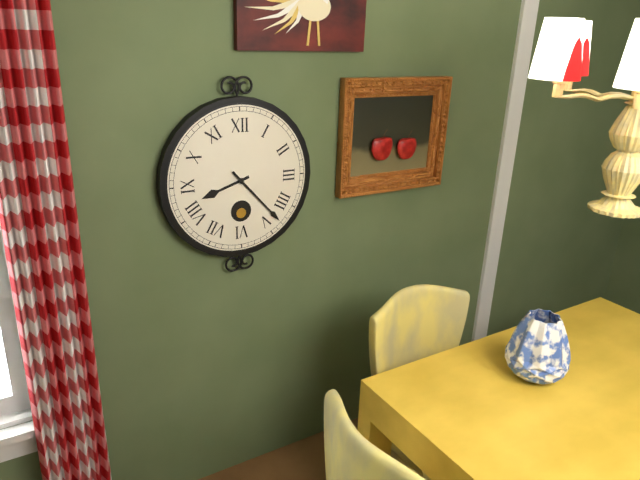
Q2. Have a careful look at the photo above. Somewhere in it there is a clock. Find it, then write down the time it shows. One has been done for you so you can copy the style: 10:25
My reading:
8:23
